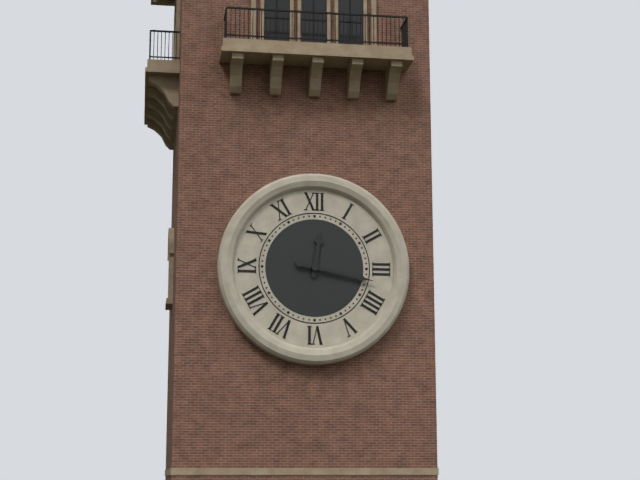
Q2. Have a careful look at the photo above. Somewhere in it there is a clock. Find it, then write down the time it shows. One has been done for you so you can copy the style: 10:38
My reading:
12:17
